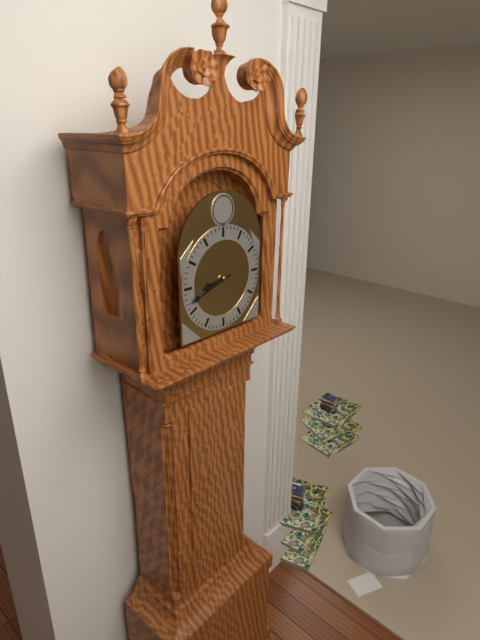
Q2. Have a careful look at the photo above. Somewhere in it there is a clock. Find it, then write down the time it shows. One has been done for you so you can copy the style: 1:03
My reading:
8:42
